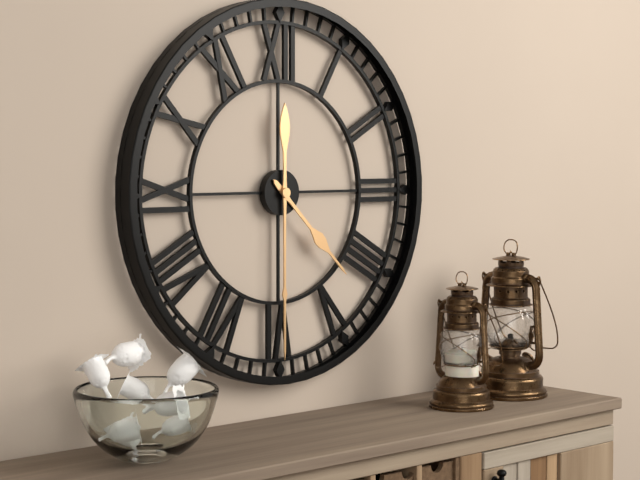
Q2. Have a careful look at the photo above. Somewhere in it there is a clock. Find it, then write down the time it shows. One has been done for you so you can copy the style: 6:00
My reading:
4:30
